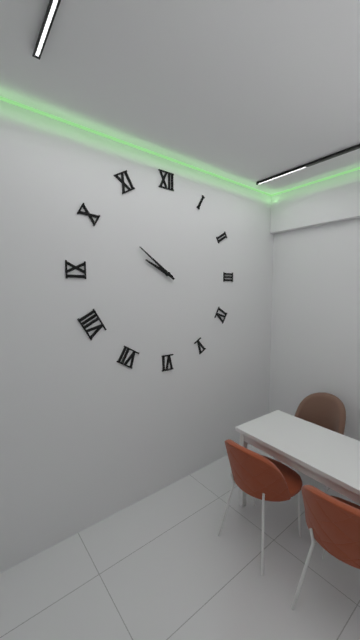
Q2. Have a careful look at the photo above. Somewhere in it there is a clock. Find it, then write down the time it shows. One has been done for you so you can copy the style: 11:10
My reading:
9:51
